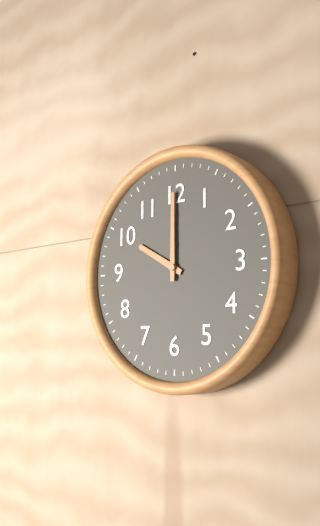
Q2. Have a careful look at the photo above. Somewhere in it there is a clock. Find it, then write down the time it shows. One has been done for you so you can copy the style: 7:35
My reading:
10:00
